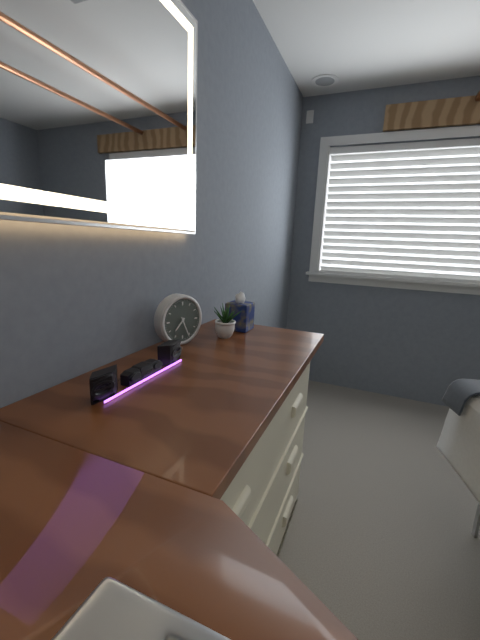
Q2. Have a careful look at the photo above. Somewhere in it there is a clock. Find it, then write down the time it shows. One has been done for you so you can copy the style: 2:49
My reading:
7:26
